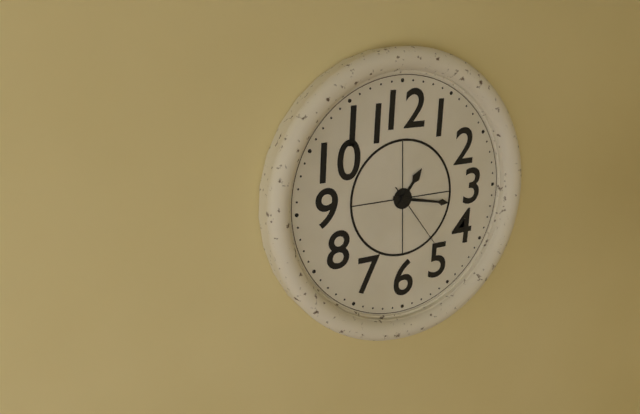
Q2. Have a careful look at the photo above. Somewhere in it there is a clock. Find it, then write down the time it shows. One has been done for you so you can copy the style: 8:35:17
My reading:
1:17:24
